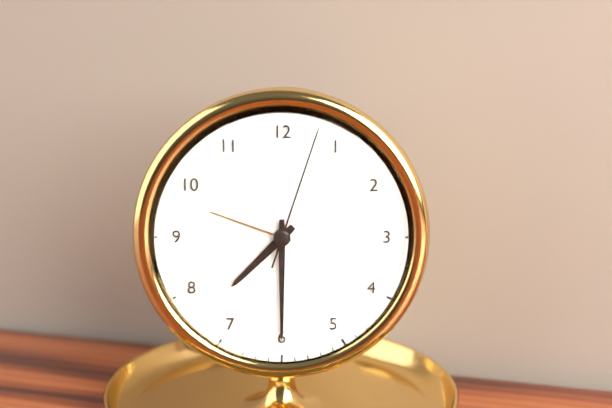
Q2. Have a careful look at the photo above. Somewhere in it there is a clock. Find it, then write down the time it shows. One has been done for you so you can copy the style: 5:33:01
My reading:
7:30:03
